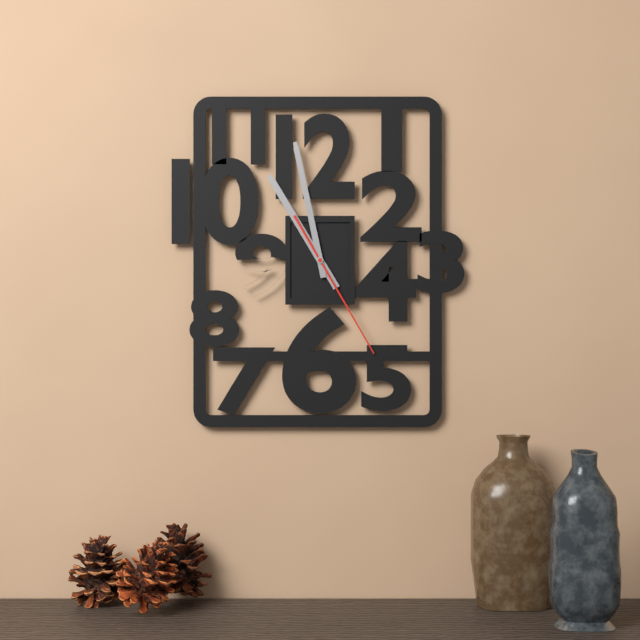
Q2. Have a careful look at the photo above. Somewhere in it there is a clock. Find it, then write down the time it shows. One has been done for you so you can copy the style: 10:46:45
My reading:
10:58:25
